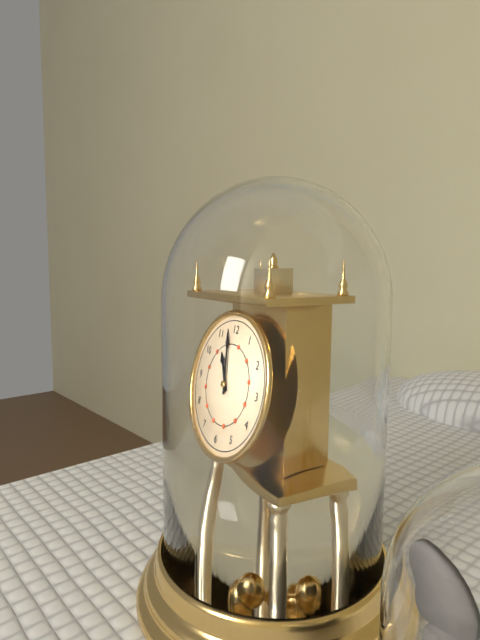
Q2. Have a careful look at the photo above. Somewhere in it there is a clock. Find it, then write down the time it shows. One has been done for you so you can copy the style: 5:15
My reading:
10:58
